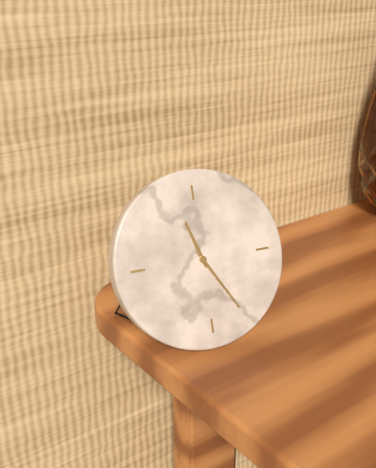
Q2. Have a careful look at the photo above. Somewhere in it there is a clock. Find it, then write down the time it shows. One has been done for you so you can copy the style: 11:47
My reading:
11:25
